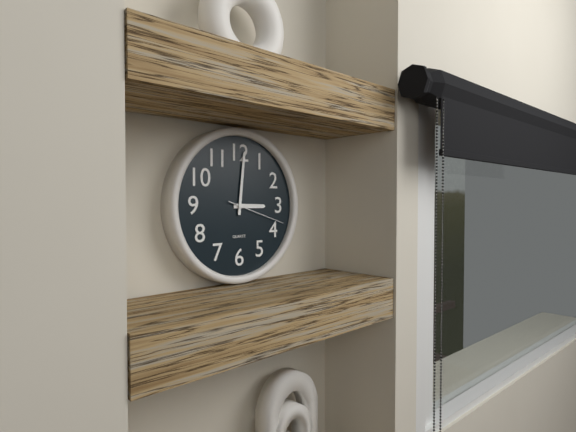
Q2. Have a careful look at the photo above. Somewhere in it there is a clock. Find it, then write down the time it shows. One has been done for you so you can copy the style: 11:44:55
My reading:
3:01:18
